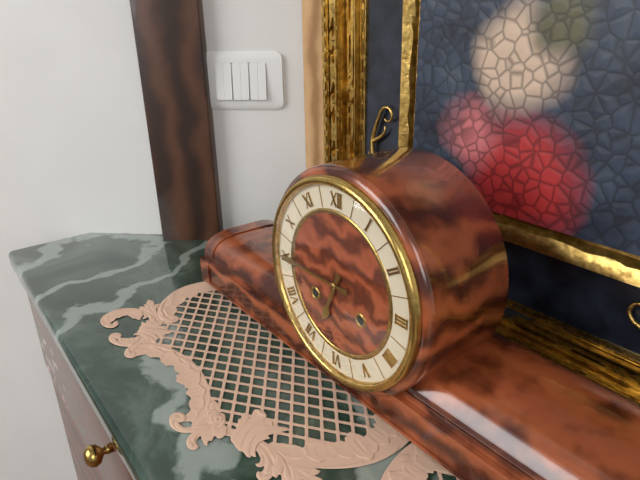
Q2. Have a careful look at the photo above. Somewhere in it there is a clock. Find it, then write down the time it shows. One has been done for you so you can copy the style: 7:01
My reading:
6:45
